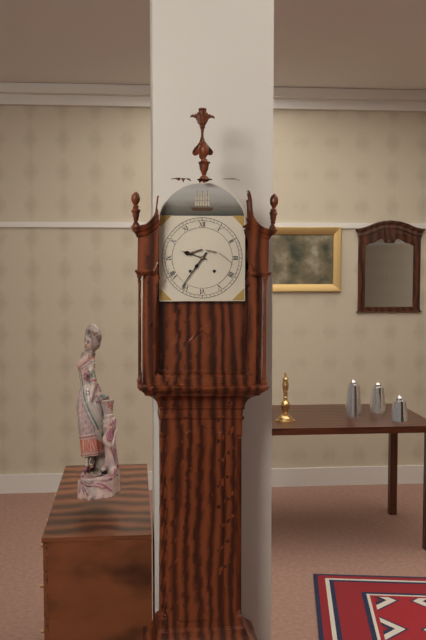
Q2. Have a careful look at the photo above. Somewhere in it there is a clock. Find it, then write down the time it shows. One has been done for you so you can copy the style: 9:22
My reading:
9:36
